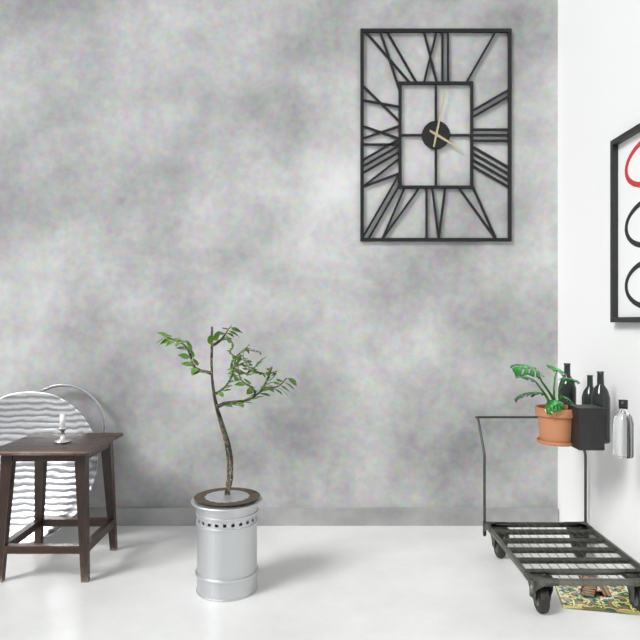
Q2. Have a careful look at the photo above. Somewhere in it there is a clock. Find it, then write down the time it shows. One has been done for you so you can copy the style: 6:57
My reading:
4:02
